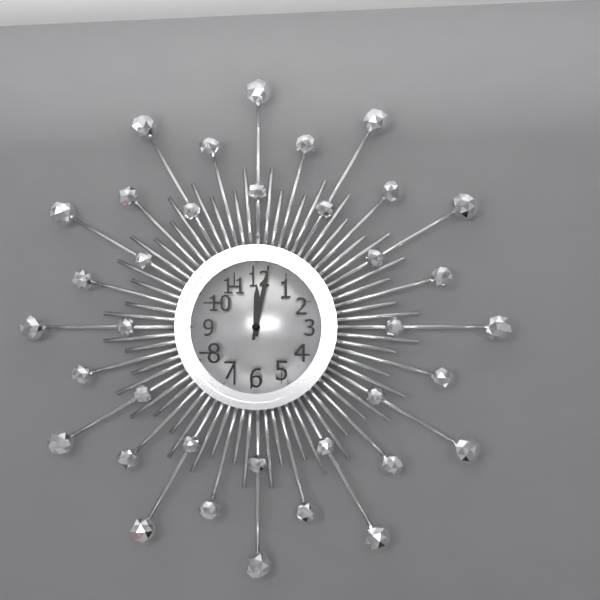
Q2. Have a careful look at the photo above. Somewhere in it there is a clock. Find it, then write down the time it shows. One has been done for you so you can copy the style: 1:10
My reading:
12:02
